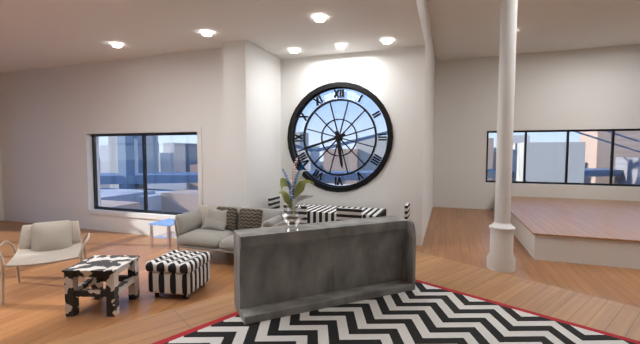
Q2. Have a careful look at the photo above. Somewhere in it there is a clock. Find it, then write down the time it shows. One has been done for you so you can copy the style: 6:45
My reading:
5:42
